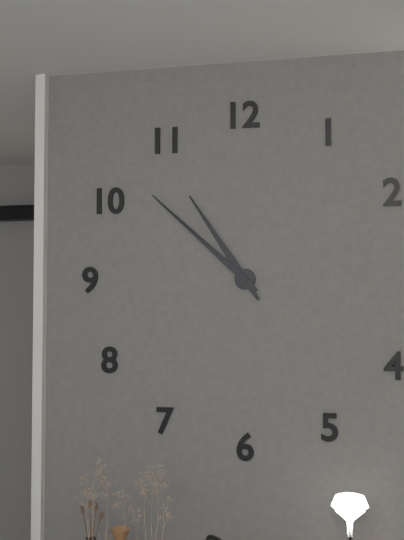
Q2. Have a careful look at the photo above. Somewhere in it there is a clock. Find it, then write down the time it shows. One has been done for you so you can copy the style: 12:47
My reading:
10:52
